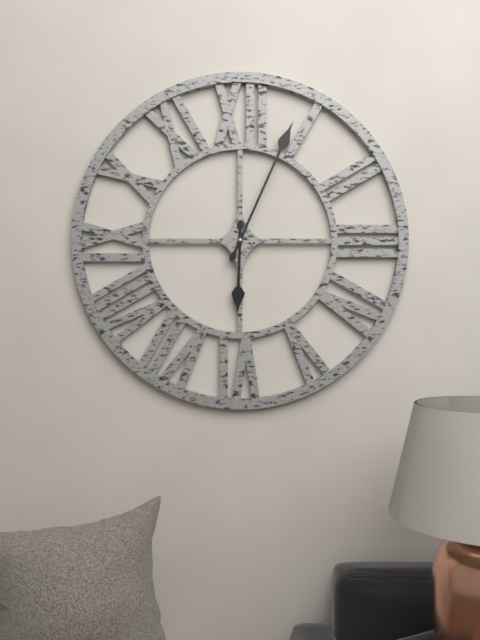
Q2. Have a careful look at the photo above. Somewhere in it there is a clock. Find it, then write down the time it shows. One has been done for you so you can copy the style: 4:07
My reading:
6:04
